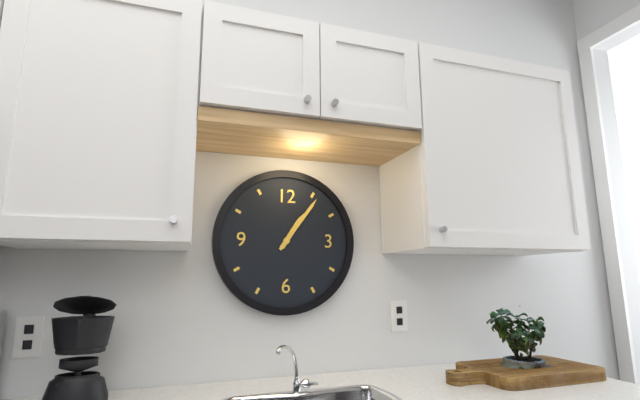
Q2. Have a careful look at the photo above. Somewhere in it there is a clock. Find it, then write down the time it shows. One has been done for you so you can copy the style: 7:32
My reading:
1:06
